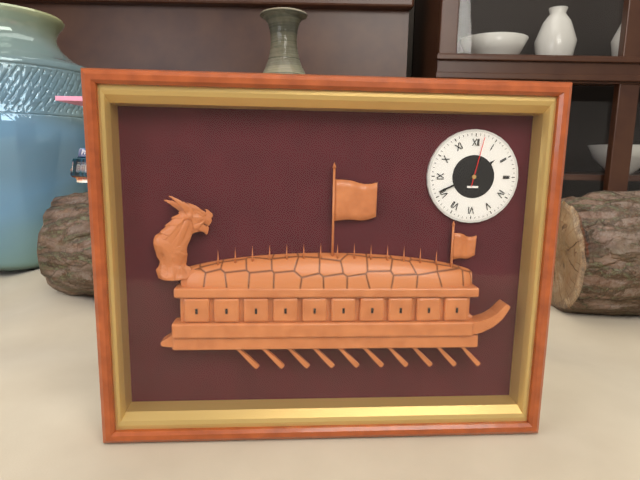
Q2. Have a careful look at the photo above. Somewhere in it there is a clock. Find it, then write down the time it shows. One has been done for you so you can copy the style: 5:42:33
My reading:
1:41:02
